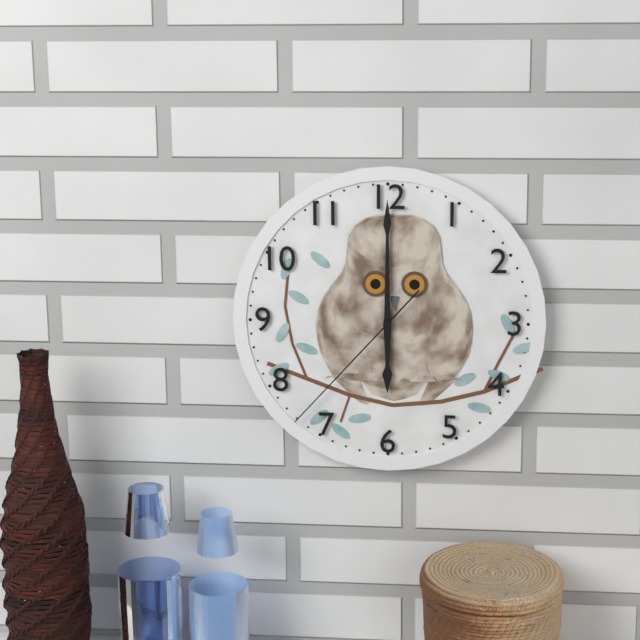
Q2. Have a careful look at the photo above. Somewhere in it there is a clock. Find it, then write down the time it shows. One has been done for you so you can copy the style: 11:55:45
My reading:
6:00:37
